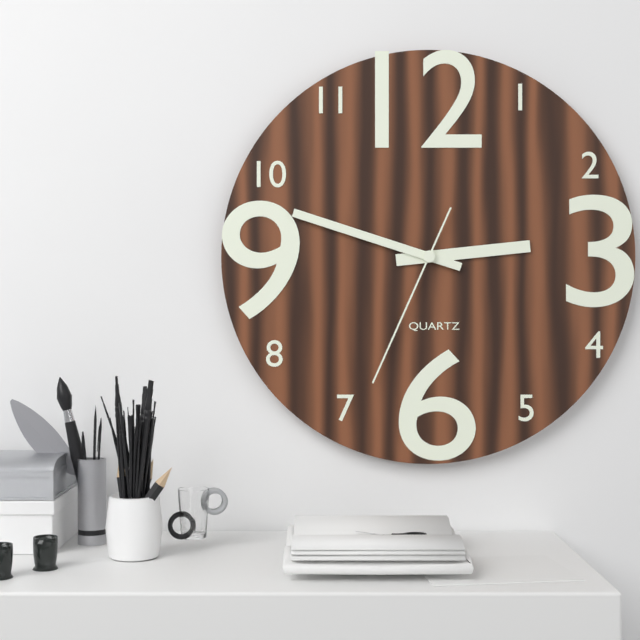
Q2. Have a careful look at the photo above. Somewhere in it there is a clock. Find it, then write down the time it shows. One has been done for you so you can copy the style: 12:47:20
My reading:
2:48:34
